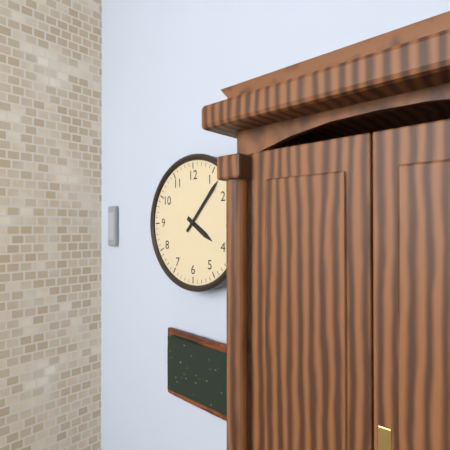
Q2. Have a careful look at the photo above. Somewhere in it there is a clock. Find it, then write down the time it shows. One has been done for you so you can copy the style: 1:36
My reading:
4:07
